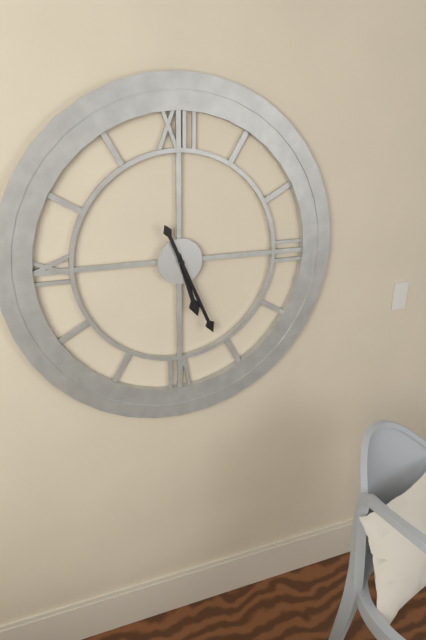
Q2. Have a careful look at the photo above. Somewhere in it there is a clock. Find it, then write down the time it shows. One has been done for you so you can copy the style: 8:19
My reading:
5:26
